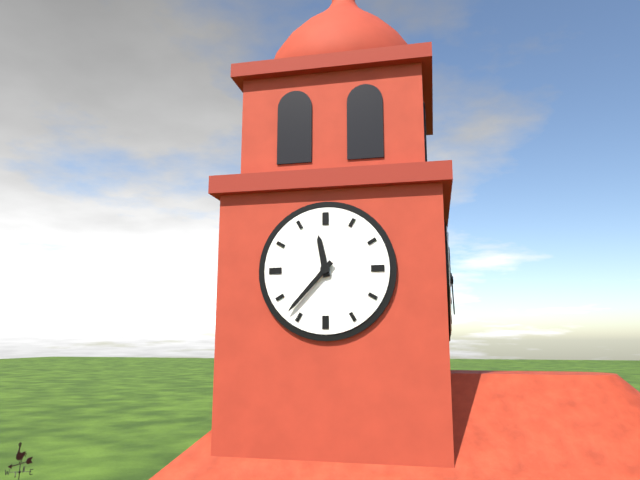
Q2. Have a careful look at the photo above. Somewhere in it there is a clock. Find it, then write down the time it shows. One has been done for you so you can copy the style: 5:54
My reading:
11:37
